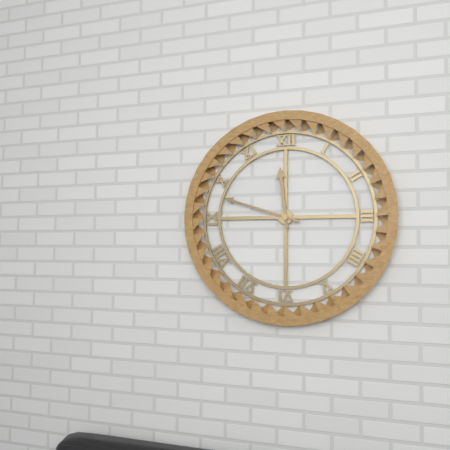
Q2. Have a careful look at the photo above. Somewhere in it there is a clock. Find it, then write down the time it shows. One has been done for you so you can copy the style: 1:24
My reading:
11:48
